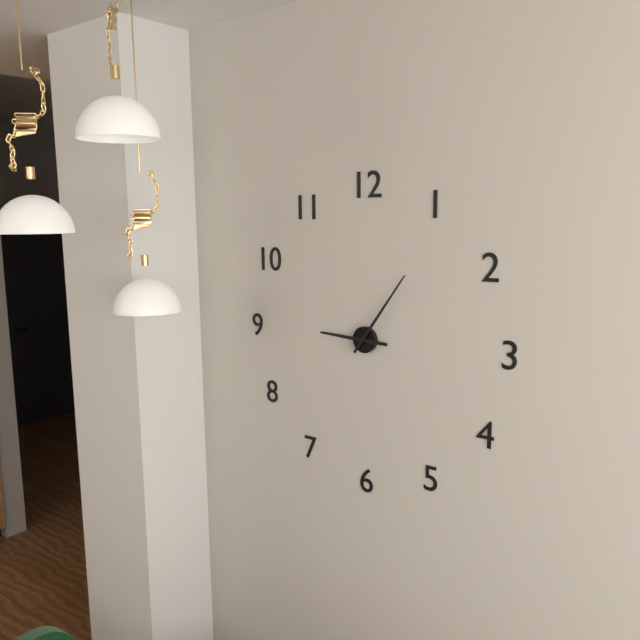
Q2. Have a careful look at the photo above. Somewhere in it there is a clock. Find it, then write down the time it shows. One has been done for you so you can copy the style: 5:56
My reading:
9:06
